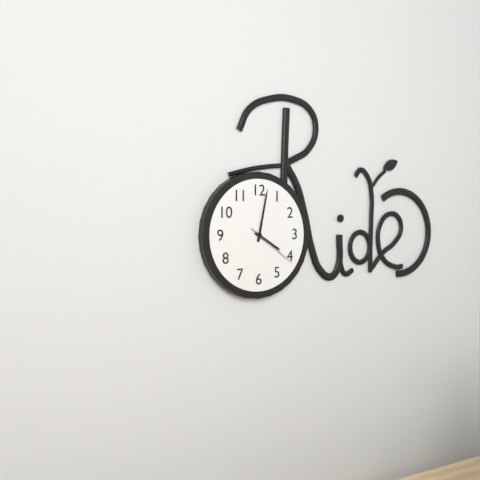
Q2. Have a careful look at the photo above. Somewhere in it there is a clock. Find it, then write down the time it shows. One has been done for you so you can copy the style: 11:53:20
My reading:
4:02:21
